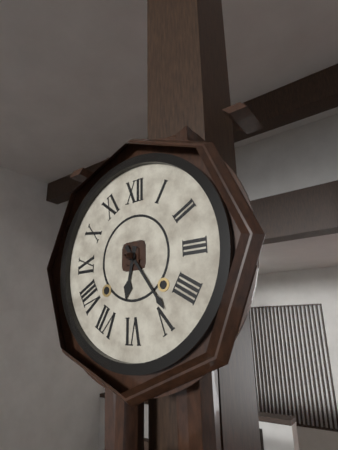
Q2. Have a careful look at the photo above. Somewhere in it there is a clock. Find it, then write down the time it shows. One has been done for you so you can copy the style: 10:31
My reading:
6:24
